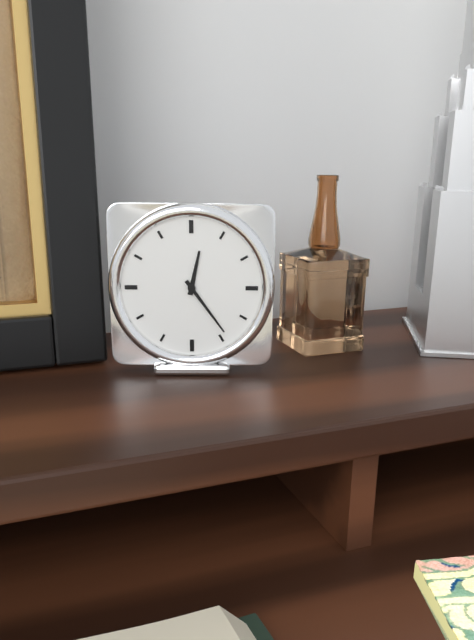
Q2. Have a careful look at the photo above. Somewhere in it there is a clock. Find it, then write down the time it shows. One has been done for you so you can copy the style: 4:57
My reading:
12:24
